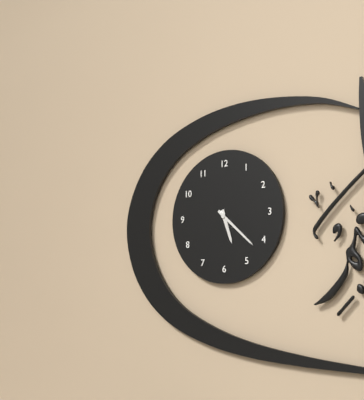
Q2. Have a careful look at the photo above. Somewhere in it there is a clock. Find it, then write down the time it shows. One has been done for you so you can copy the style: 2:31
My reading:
5:22
